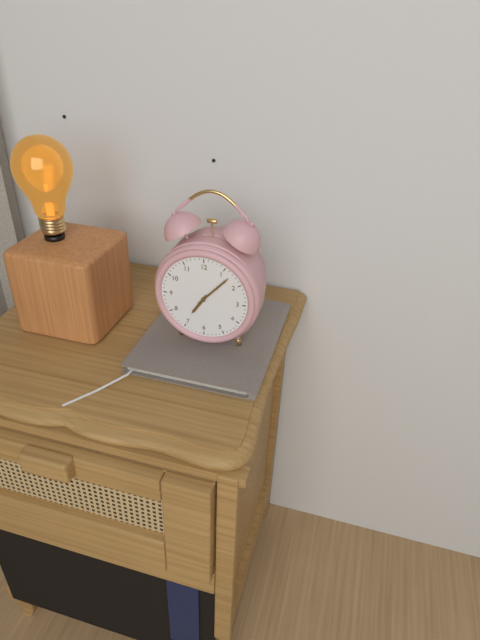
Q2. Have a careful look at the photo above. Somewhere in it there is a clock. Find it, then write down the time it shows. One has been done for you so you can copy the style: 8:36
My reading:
7:07
